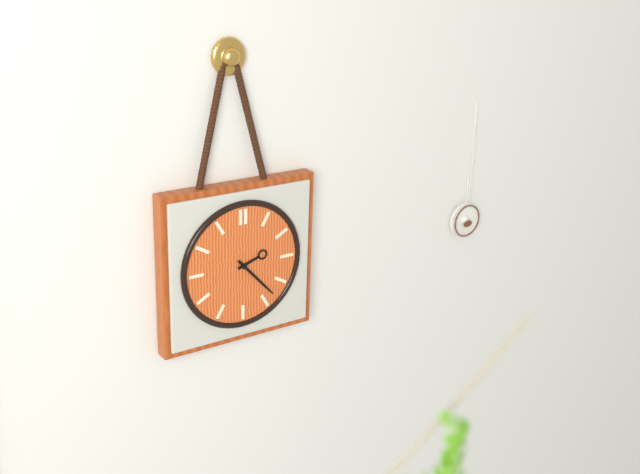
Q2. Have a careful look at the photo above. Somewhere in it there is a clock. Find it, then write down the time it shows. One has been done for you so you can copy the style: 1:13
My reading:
2:23
